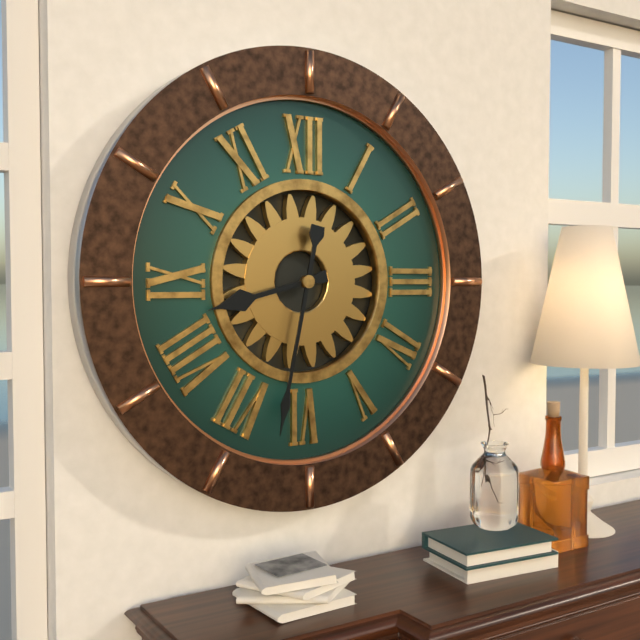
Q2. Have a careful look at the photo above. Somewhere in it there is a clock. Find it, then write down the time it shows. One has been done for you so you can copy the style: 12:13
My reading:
8:32
